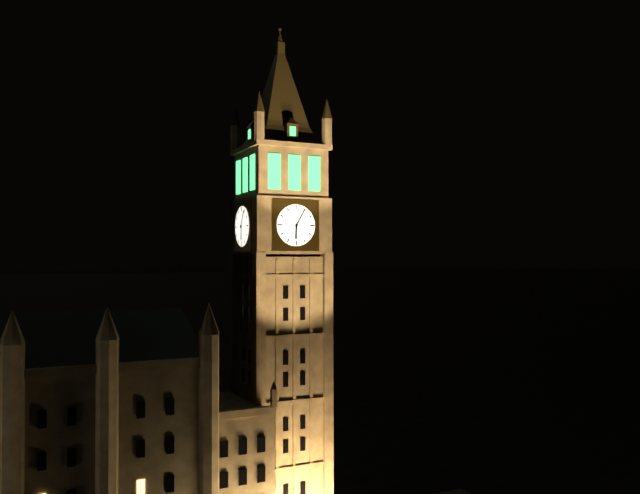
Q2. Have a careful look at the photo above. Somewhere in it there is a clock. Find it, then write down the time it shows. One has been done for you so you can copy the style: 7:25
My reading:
6:05
